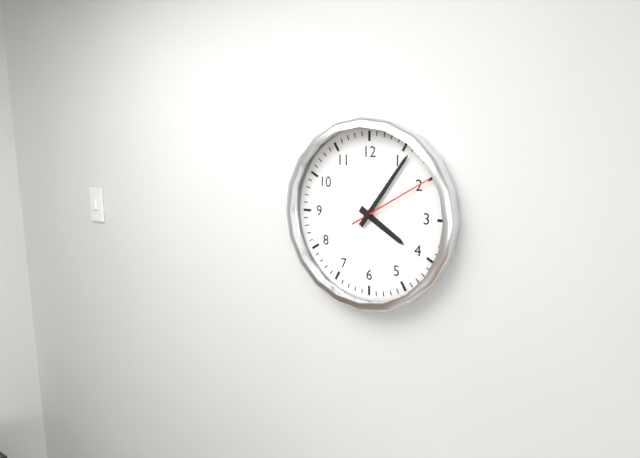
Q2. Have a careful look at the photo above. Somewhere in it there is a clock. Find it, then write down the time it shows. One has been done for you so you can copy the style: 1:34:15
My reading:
4:06:10
